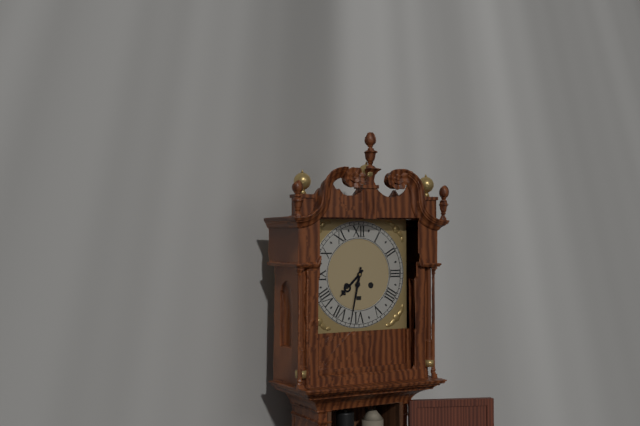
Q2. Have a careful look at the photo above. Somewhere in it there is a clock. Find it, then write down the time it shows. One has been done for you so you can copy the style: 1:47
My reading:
7:32
